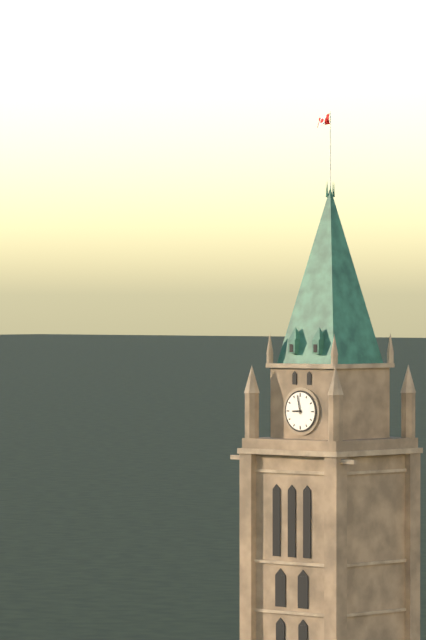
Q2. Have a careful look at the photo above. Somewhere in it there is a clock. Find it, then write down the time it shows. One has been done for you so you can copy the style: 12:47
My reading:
8:58
